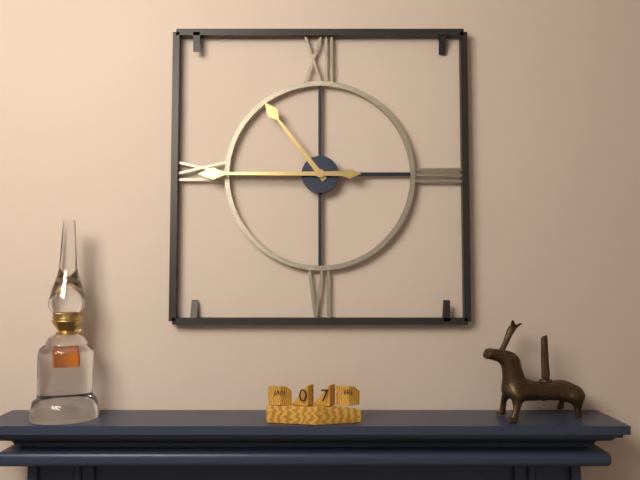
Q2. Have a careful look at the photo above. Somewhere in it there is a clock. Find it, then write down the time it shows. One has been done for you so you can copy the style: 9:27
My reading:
10:45
